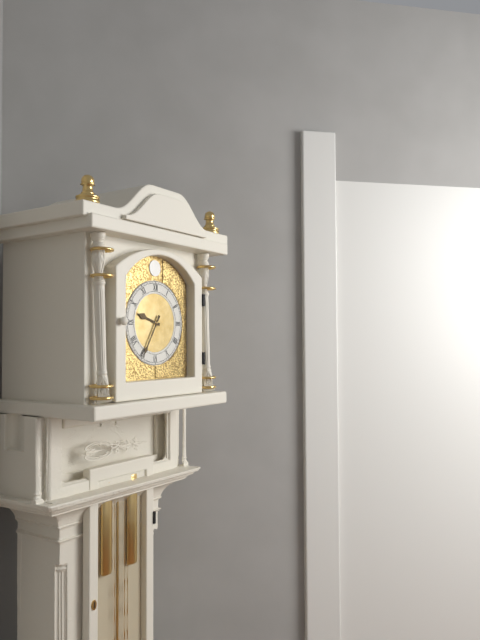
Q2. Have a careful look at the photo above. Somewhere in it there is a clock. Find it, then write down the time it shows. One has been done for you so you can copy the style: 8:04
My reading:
9:35
